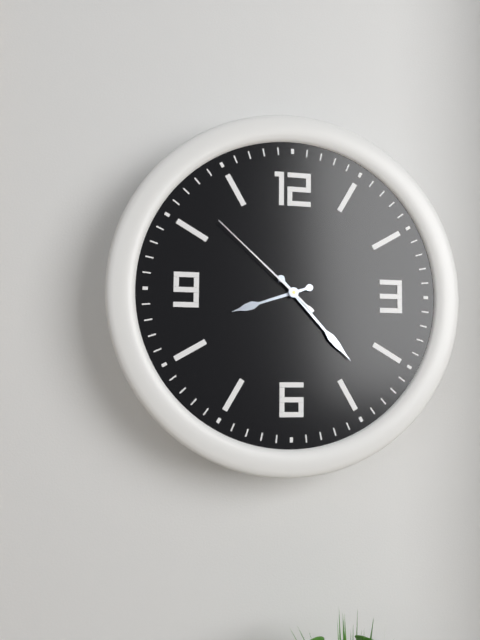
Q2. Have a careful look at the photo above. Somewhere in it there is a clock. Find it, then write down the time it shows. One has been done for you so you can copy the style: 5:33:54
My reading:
8:23:52
